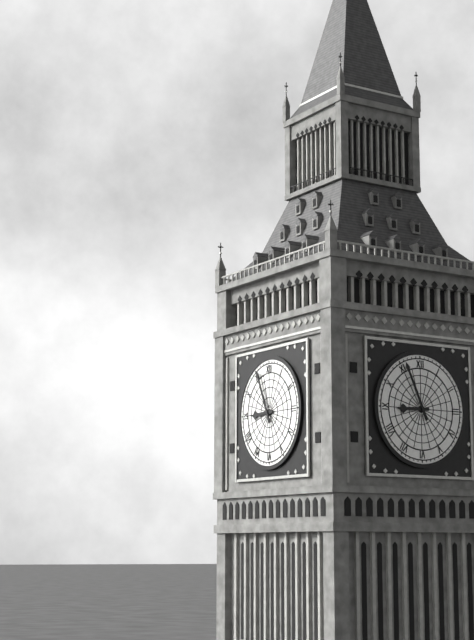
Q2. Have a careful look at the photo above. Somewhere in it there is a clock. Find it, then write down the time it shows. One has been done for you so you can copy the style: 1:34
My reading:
8:56
